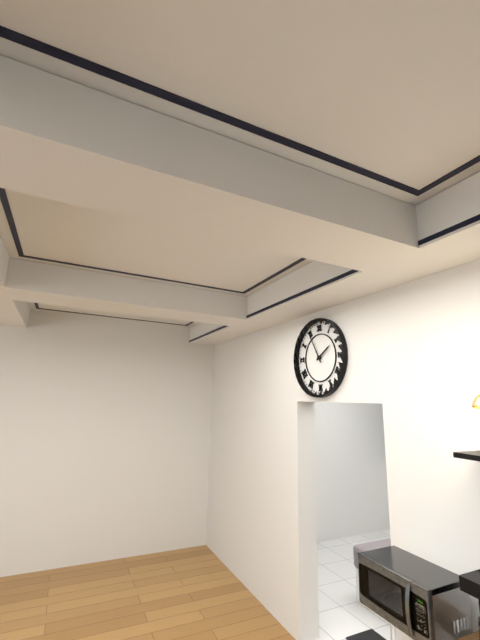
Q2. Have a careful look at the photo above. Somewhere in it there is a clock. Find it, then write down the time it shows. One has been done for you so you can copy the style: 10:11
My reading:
1:55
